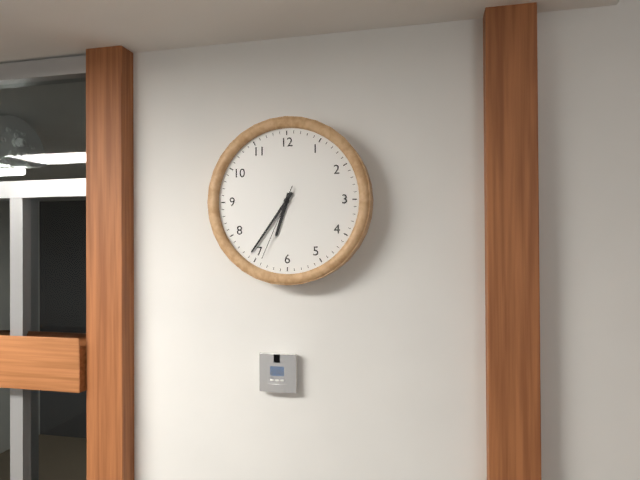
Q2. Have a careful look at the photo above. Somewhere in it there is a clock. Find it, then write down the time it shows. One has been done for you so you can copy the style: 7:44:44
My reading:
6:36:34
